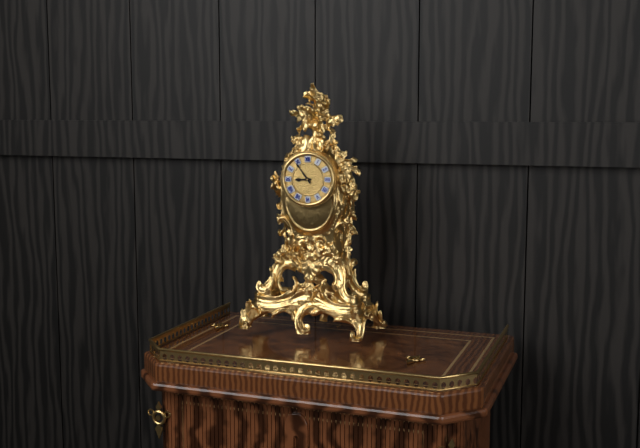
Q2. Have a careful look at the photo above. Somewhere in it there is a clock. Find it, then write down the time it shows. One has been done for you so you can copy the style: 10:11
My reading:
8:54
